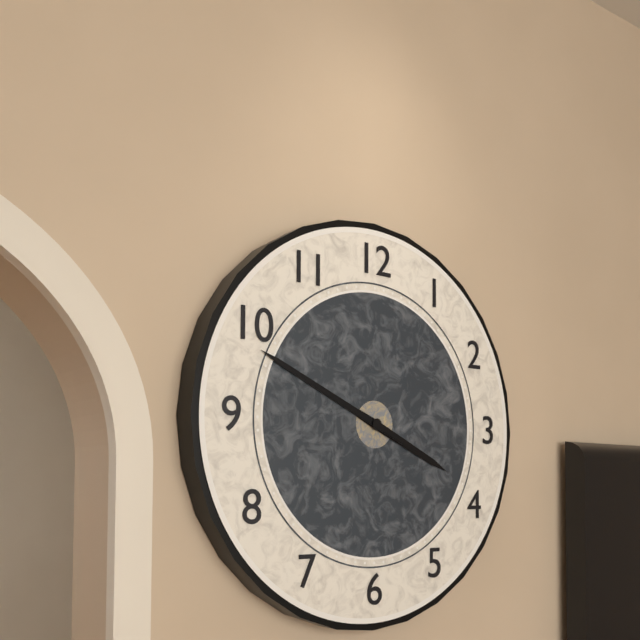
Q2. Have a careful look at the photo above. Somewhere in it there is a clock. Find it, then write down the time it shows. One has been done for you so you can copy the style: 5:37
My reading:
3:49
